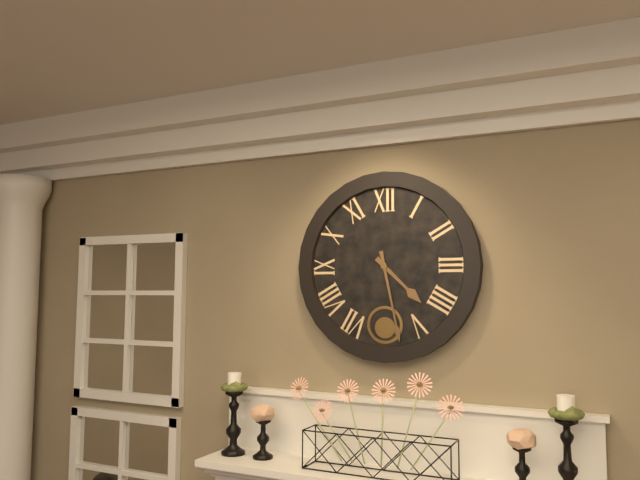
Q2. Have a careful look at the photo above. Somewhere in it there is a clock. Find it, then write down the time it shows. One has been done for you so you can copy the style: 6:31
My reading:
4:28
